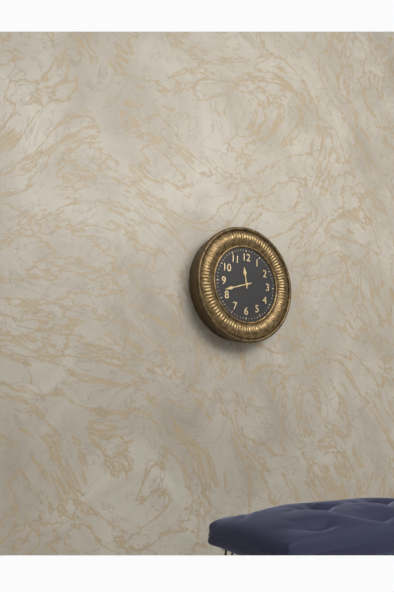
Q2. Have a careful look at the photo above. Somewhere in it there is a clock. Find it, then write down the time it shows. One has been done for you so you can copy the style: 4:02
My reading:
11:42
